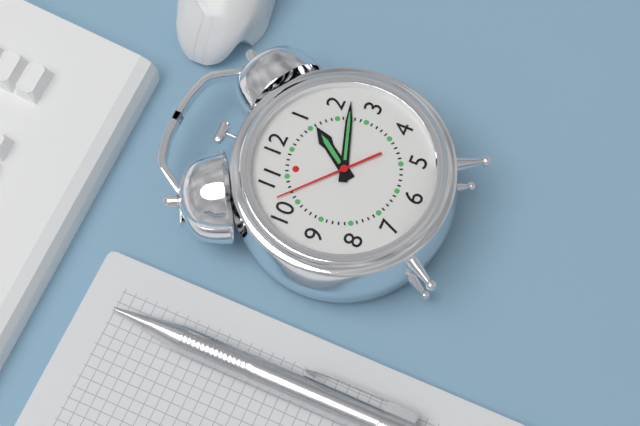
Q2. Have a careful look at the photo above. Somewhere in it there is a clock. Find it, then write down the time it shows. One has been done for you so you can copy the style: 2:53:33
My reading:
1:12:52
